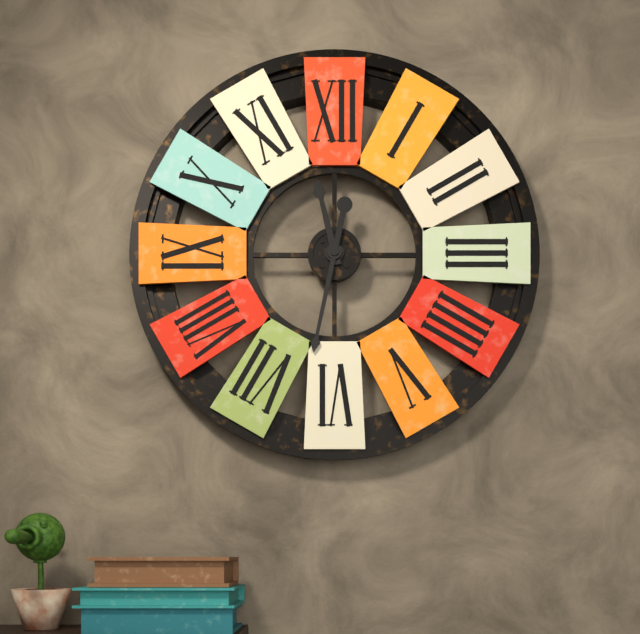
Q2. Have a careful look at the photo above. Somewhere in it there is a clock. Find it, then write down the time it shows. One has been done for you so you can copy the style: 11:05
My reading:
11:32
